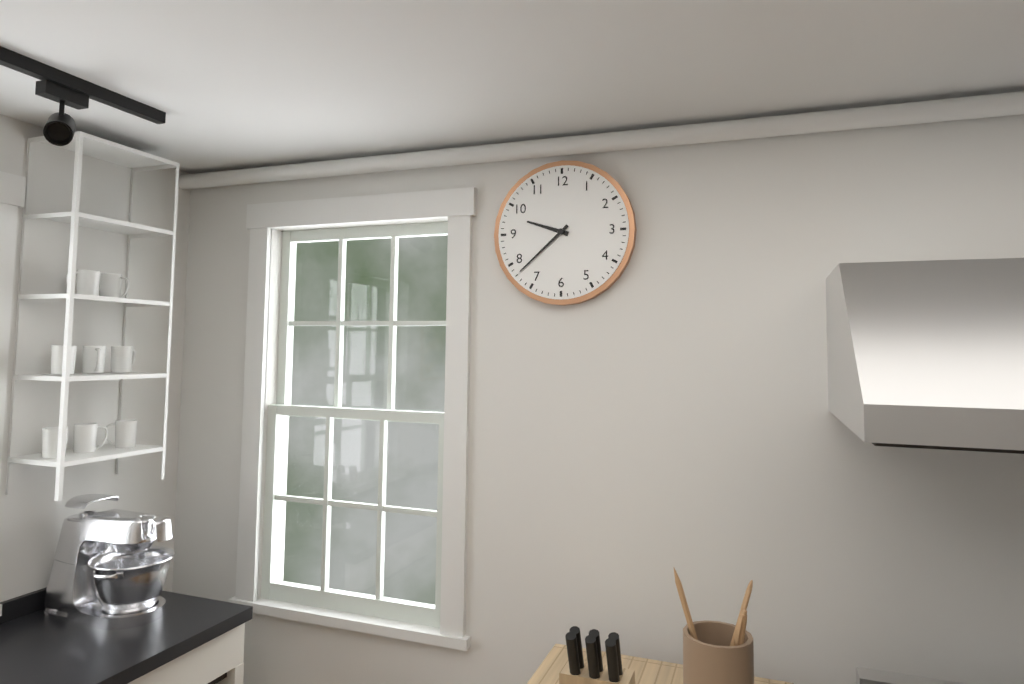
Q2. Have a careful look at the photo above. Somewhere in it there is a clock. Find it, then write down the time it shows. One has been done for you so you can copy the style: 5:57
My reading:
9:38
